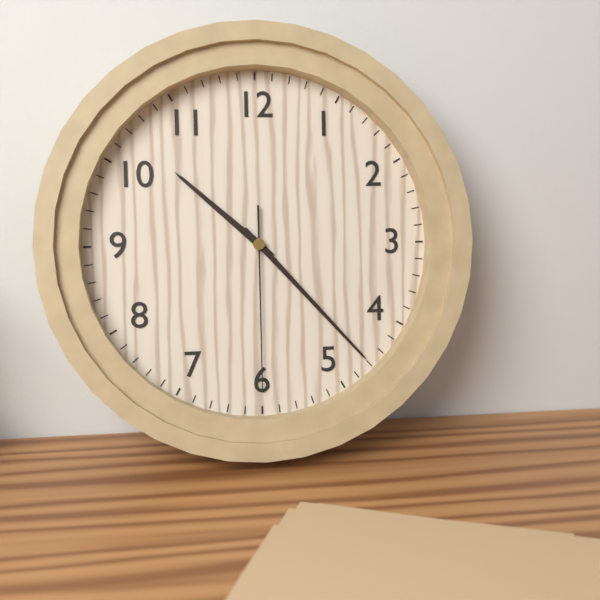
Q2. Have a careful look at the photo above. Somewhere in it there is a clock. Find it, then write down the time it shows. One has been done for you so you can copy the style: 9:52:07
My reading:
10:23:30
